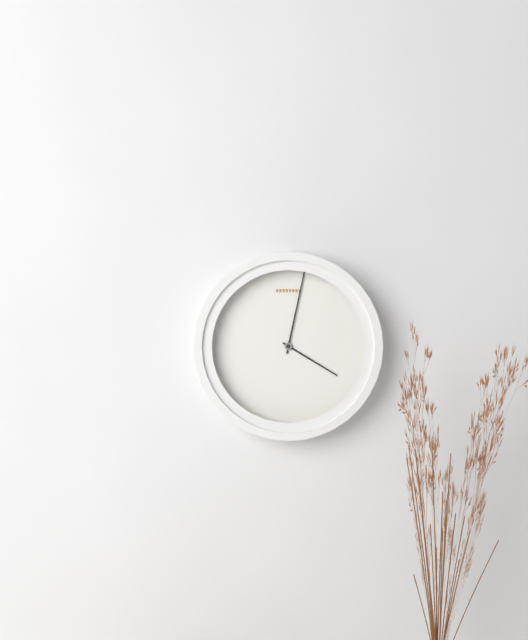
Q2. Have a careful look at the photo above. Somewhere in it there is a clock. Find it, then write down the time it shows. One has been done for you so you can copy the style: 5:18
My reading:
4:02
